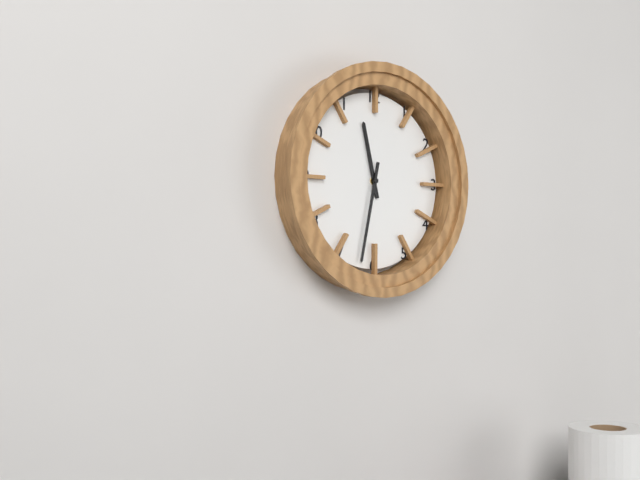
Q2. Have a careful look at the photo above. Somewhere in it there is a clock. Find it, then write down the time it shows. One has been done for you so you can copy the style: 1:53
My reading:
11:32
